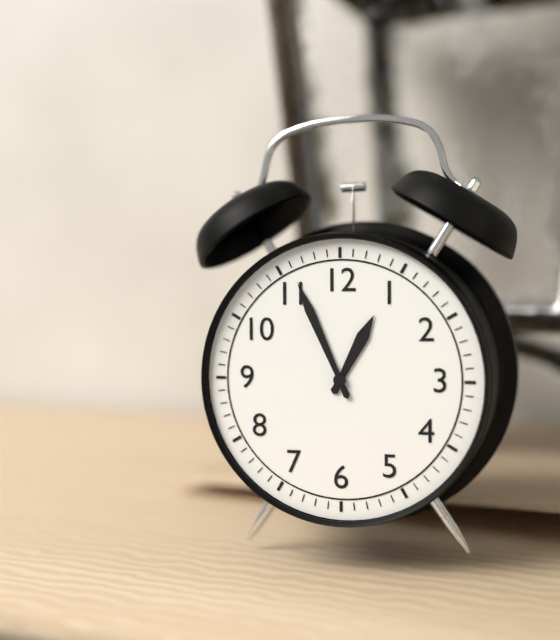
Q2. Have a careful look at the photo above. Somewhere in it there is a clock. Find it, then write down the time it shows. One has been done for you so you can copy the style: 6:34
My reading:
12:56
